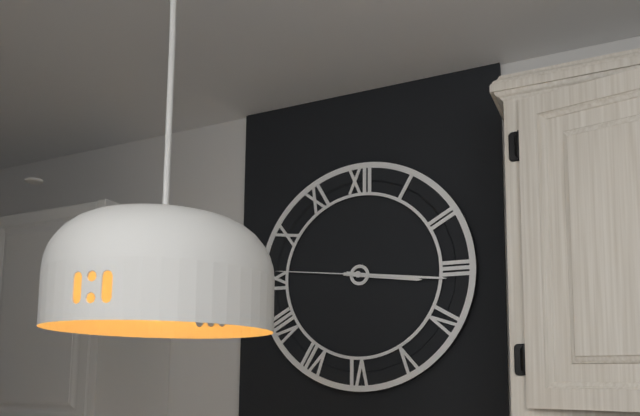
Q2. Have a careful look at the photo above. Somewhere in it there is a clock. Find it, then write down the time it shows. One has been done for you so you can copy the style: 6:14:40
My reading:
3:16:46
